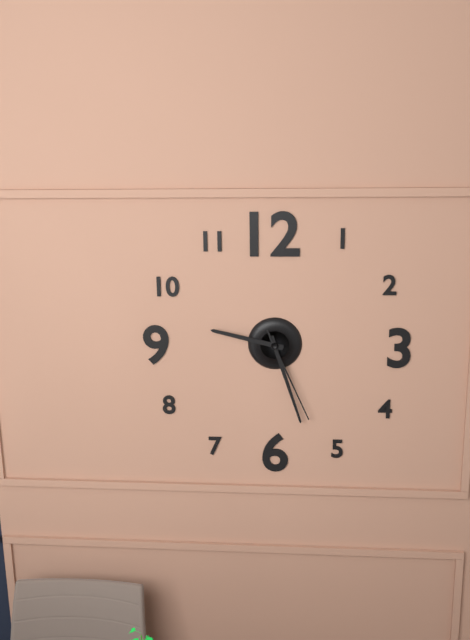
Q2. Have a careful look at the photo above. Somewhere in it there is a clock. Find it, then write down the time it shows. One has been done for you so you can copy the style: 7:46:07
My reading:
9:27:26
